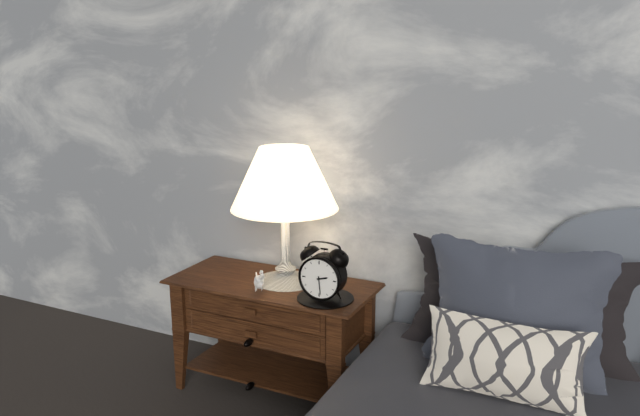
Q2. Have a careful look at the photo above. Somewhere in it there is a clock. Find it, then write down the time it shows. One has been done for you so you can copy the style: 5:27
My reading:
2:29
